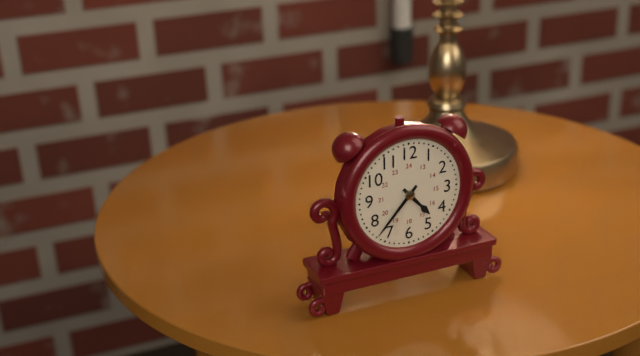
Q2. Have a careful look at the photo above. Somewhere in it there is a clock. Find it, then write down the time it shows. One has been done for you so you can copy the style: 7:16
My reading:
4:37
